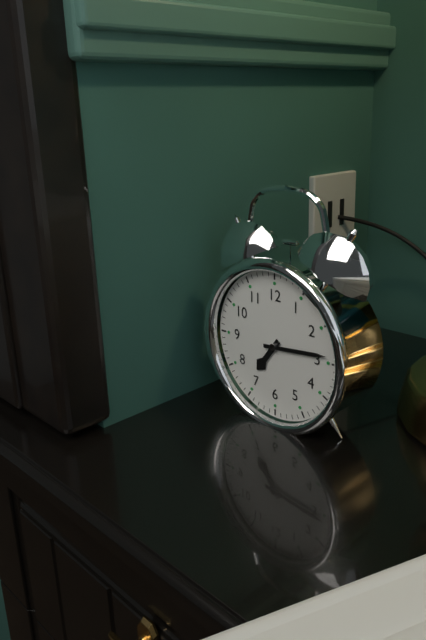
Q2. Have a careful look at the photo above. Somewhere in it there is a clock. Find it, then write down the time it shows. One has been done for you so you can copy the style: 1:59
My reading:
7:14
